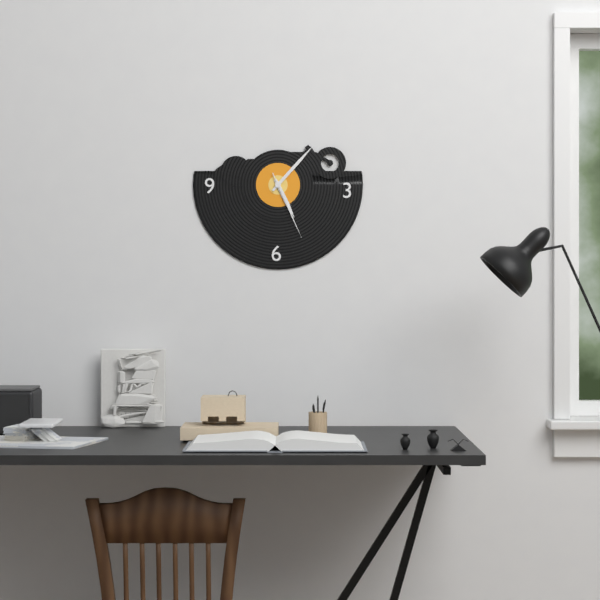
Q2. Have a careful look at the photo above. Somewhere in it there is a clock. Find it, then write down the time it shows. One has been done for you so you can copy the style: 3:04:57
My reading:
5:07:26
